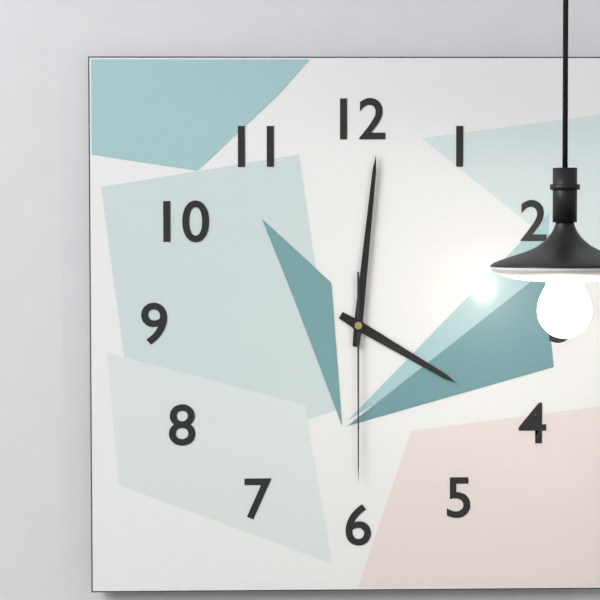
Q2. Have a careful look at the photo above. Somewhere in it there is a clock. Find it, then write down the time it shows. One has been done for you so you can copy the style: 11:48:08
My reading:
4:01:30
